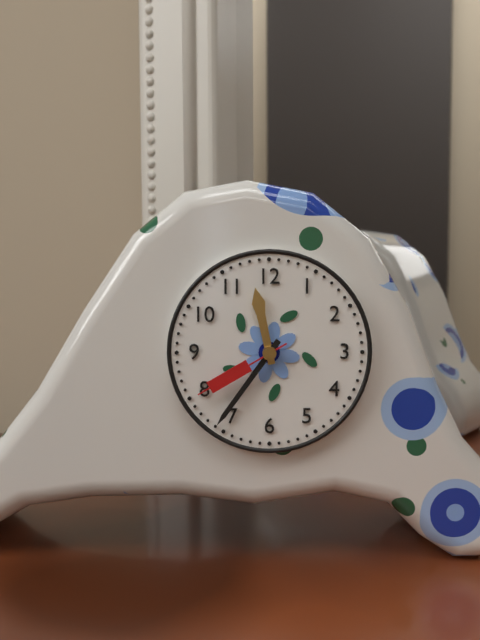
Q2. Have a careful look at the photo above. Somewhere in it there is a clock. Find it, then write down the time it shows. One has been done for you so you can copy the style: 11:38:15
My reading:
11:36:40
